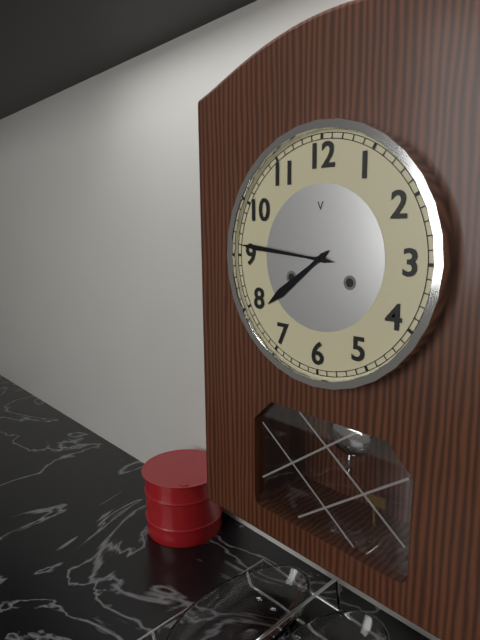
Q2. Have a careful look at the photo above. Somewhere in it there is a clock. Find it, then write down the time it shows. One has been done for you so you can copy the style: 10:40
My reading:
7:46
